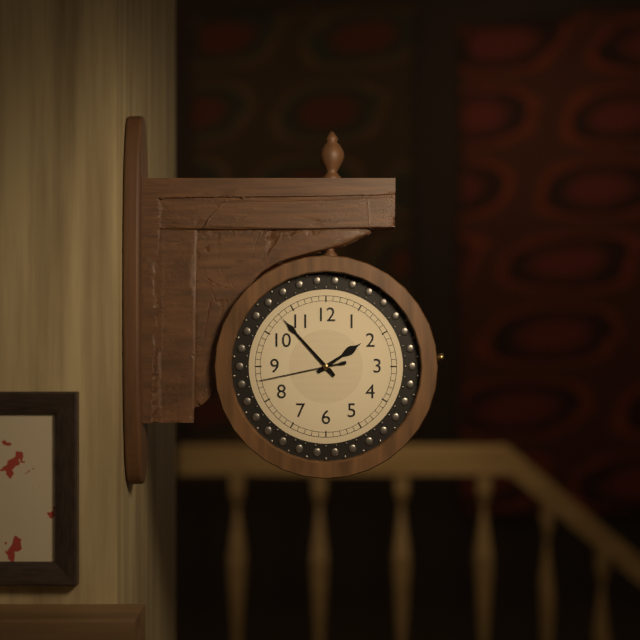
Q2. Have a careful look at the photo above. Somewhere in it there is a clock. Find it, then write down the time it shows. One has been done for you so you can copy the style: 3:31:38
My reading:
1:53:43
